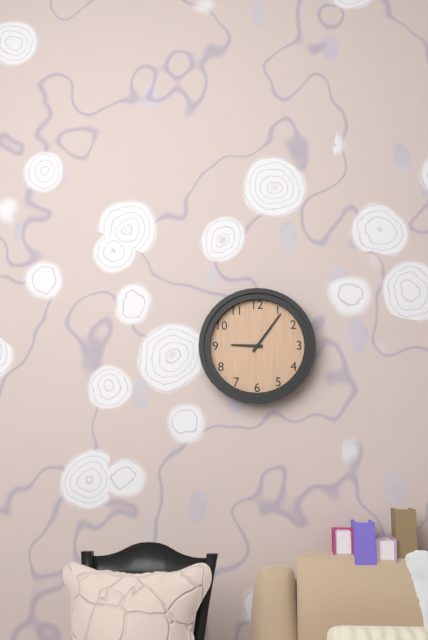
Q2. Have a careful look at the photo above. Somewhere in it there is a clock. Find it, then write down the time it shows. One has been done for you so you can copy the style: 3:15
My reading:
9:06
